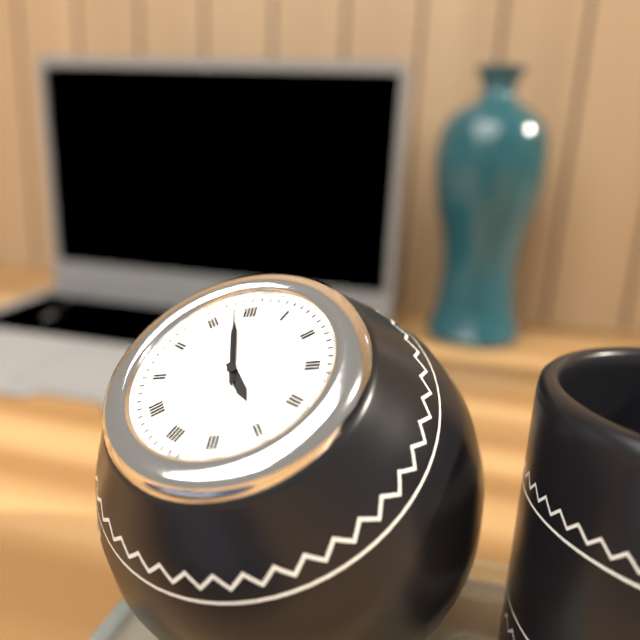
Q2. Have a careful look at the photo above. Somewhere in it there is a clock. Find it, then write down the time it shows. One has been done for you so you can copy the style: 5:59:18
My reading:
4:58:58
